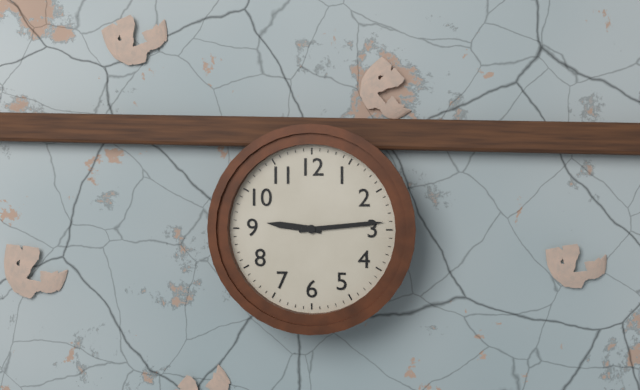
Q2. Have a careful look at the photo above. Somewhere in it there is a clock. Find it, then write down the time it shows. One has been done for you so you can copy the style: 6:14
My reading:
9:14
